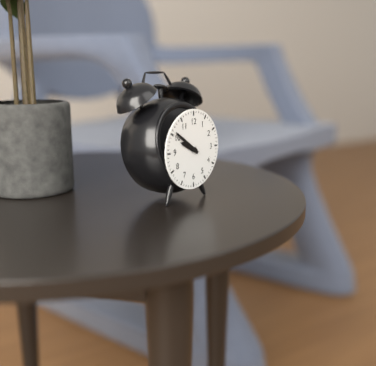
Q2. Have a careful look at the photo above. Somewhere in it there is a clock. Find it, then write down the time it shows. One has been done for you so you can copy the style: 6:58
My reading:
9:51
